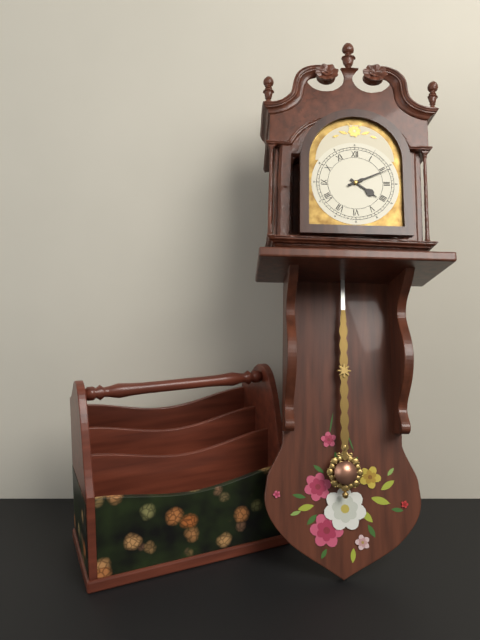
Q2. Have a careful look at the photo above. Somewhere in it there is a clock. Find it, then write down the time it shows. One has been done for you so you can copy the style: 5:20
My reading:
4:11
